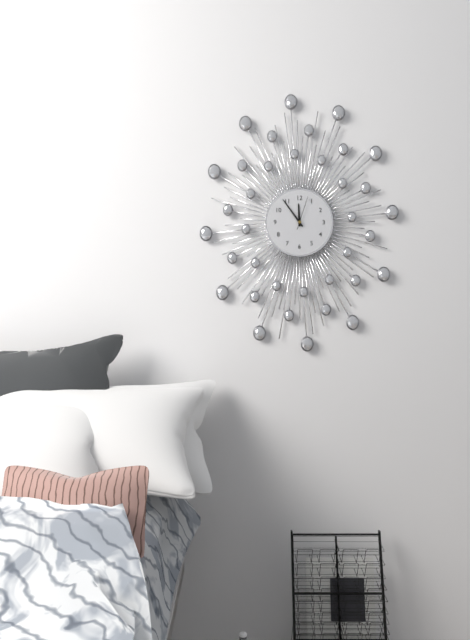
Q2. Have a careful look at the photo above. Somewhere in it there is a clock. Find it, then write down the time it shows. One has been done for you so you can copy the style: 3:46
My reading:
11:54
